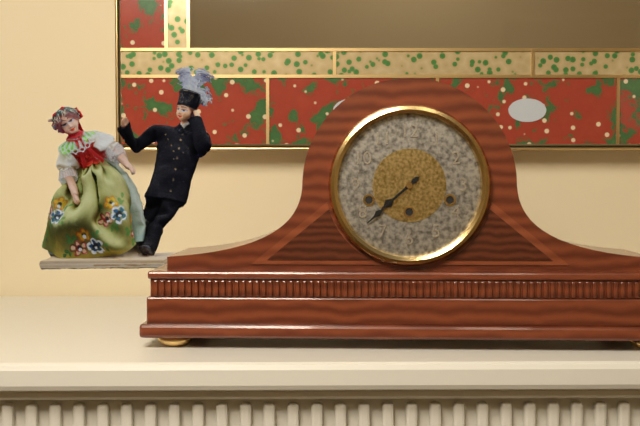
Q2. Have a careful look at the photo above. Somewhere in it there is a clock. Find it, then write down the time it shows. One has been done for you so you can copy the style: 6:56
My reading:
7:38
